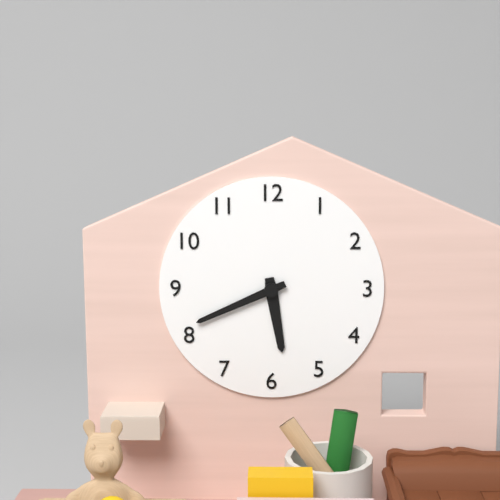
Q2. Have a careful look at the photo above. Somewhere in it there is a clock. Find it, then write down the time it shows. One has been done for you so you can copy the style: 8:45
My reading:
5:41
